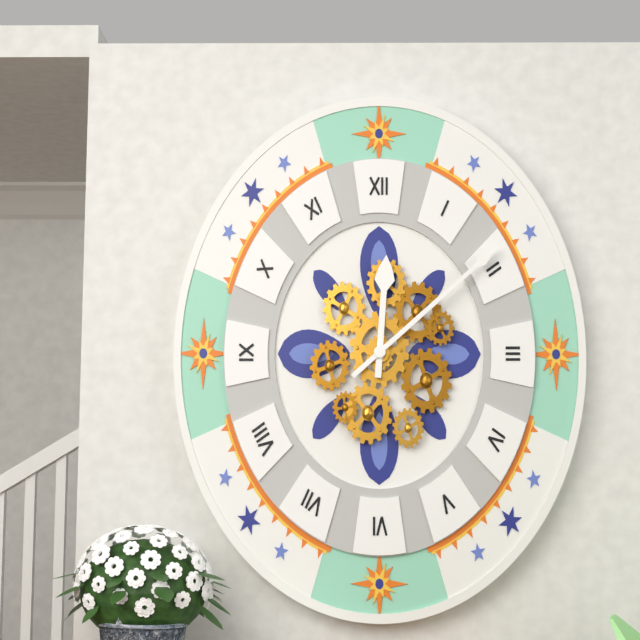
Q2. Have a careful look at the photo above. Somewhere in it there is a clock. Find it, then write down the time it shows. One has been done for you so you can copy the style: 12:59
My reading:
12:08
